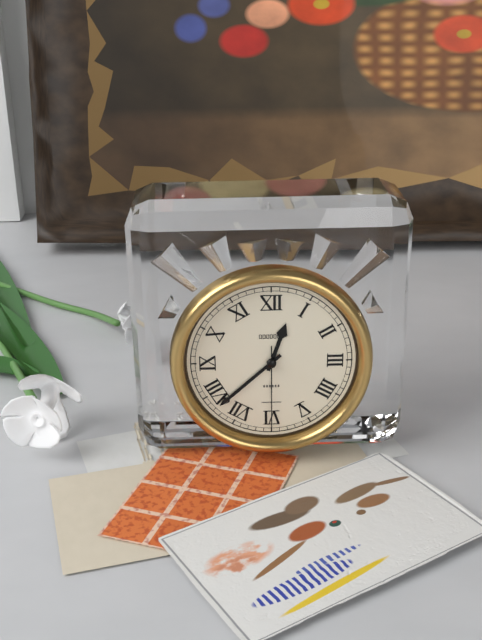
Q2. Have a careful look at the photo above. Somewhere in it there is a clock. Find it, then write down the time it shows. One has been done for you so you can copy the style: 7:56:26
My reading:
12:38:30
